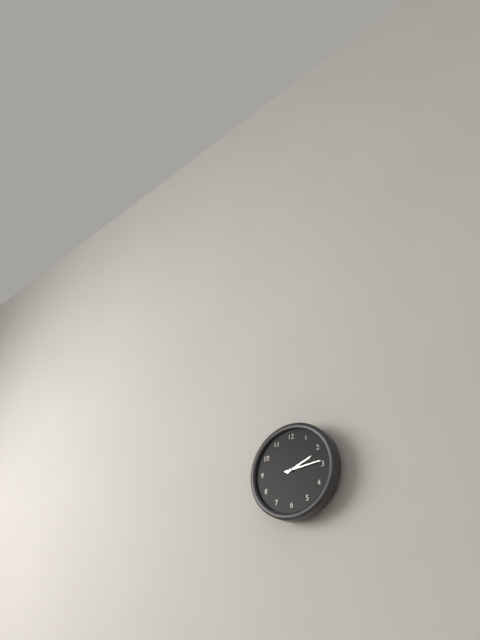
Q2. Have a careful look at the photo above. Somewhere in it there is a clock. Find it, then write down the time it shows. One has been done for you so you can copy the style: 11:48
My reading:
2:14
